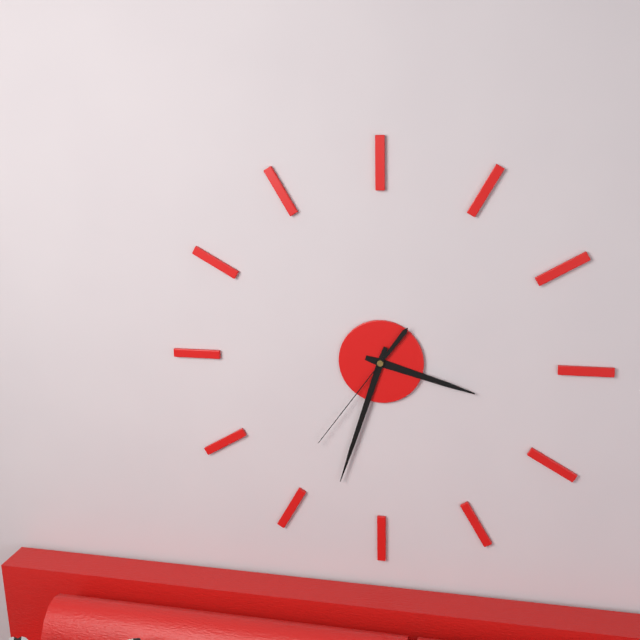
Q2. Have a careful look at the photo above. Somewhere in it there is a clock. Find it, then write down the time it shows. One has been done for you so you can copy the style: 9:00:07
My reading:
3:33:36
